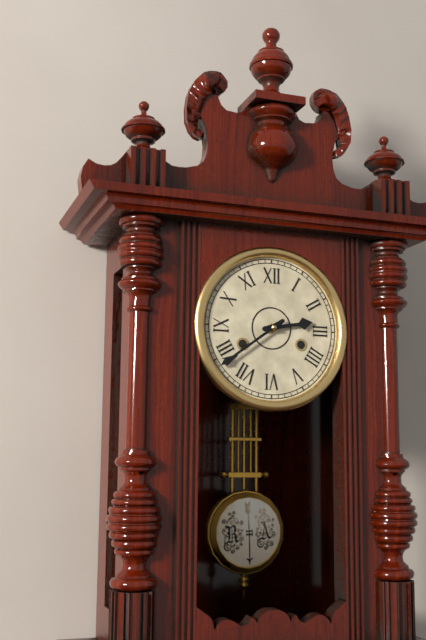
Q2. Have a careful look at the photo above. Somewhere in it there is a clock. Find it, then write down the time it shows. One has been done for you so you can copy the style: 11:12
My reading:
2:39
